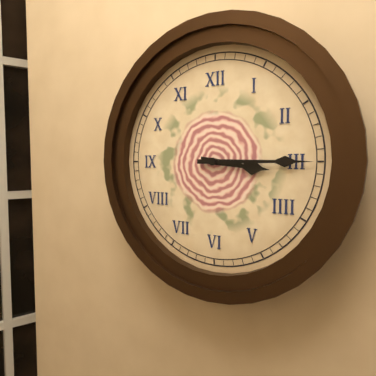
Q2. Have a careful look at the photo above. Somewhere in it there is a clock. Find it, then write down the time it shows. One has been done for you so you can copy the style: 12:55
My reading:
3:15
